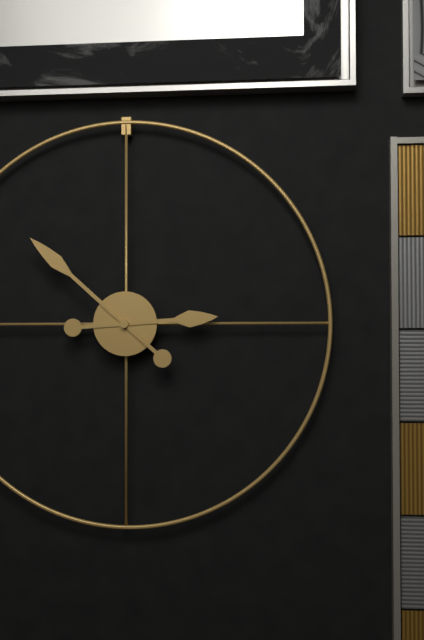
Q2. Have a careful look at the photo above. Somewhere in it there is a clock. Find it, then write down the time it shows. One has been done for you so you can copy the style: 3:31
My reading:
2:52
